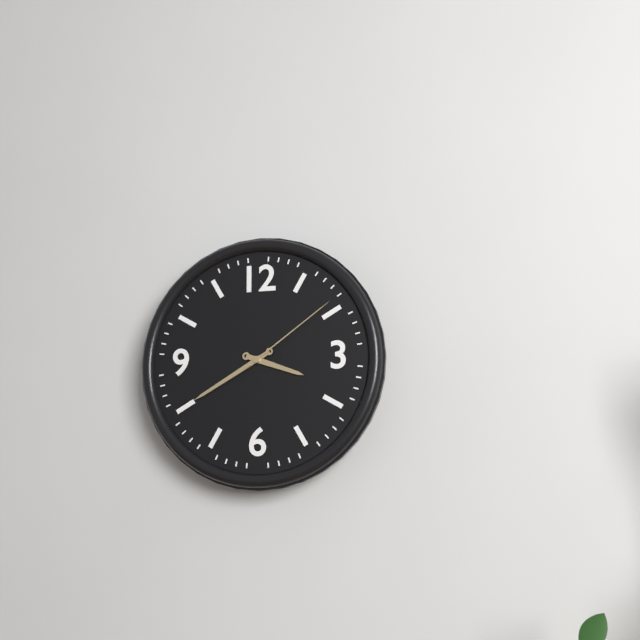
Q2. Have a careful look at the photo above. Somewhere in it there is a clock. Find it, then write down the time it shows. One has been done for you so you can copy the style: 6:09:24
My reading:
3:40:09
